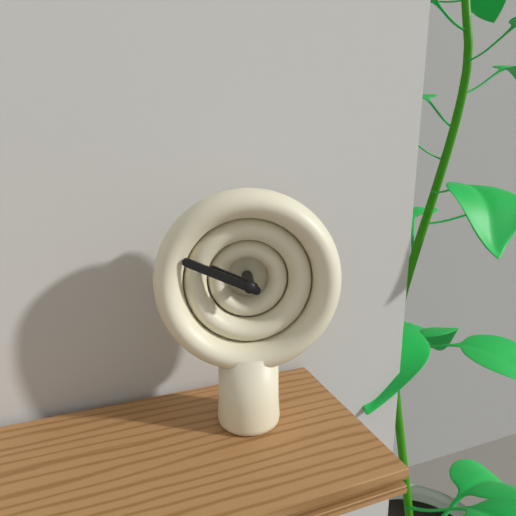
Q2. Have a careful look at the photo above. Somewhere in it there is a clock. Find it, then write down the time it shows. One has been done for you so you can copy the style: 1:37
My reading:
9:49
